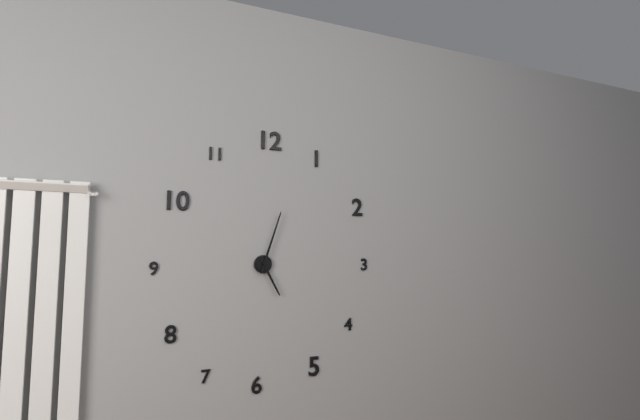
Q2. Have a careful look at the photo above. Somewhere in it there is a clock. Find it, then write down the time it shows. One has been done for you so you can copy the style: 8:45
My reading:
5:03
